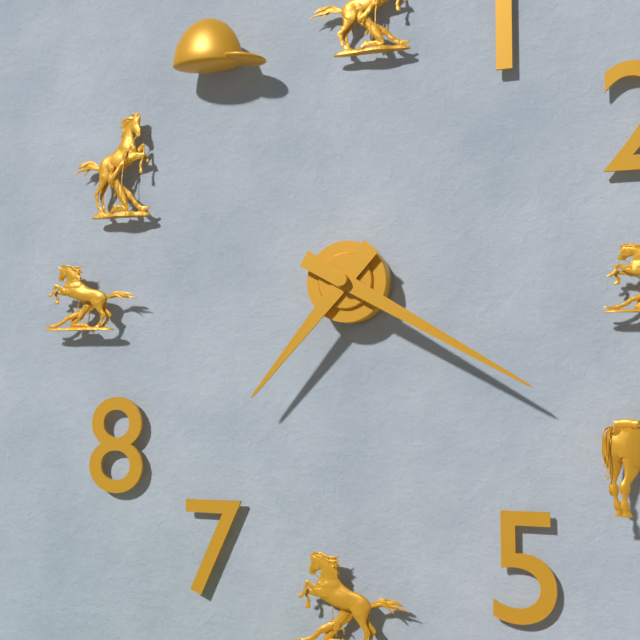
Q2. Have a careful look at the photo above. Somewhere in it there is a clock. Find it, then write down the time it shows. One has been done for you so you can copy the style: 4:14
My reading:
7:20
